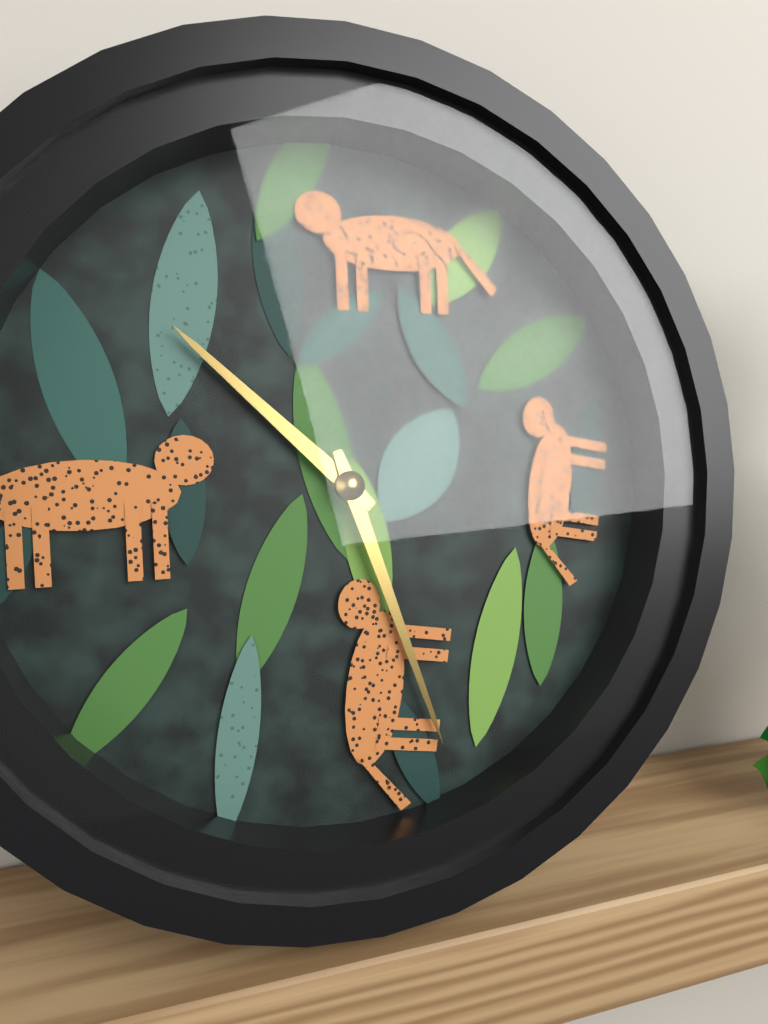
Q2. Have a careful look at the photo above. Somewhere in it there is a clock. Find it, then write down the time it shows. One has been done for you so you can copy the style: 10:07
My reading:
10:27
